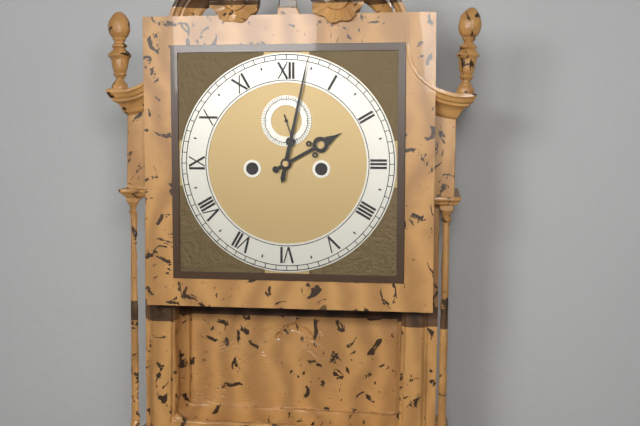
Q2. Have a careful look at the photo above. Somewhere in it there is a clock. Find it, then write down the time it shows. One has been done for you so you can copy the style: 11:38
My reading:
2:02
